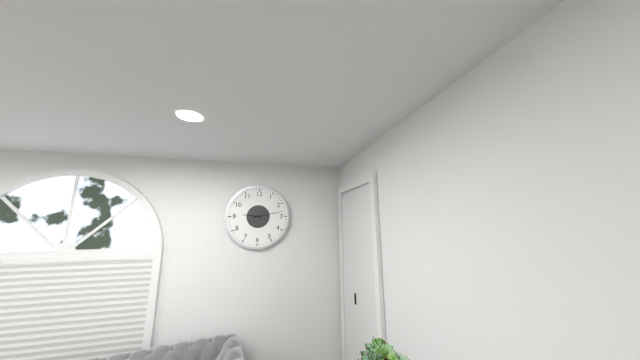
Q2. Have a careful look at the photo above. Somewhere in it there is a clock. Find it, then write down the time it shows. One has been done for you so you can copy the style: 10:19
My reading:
9:13
